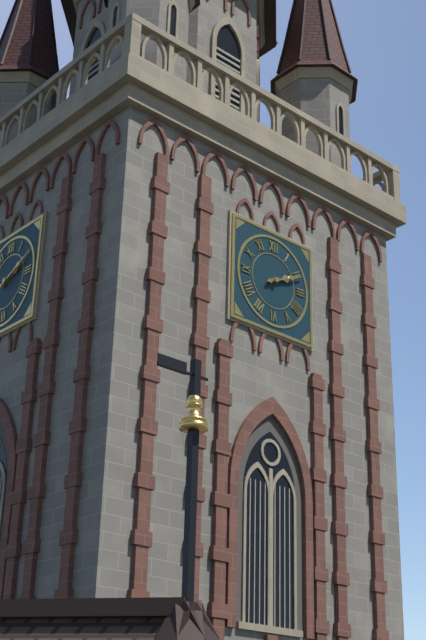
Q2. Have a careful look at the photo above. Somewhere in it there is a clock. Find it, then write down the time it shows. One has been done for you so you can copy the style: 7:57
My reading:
2:11
